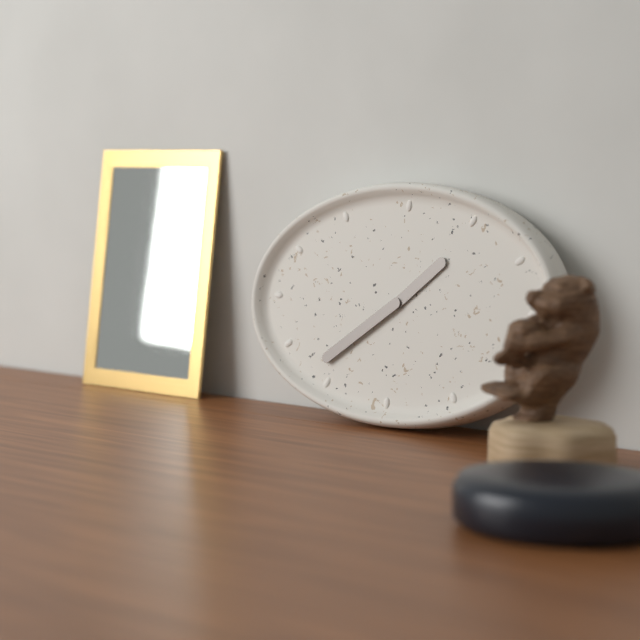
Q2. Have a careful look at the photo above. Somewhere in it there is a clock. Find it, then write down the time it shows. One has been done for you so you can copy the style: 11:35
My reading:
1:39
